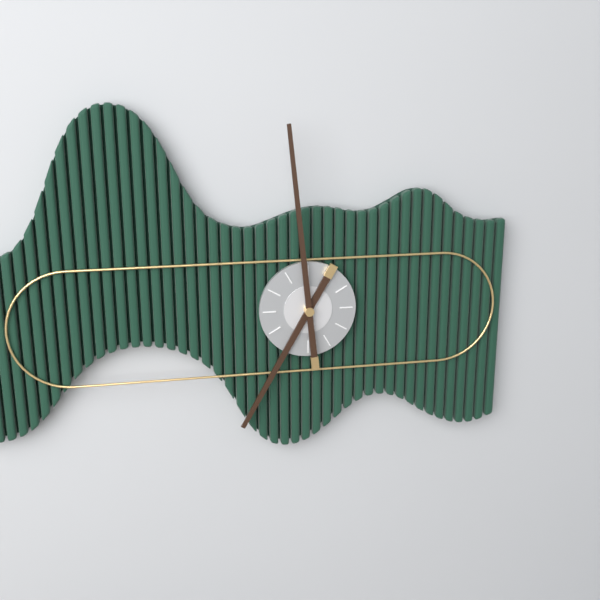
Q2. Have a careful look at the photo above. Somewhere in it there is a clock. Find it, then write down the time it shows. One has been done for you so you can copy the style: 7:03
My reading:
6:59
